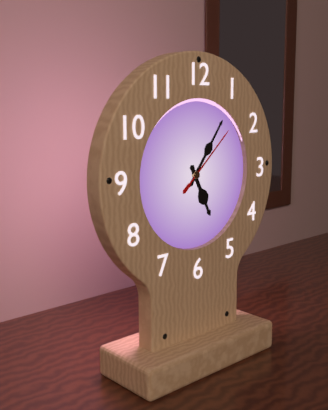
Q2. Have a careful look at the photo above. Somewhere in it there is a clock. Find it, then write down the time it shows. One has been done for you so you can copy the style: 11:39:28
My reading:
5:06:08
